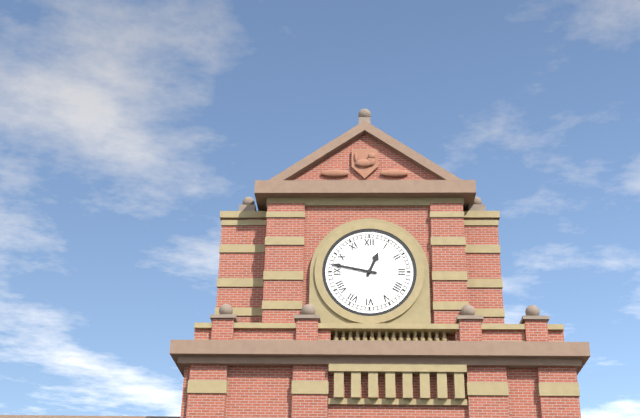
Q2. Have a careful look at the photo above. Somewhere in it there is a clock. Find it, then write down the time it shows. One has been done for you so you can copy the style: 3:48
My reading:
12:47
